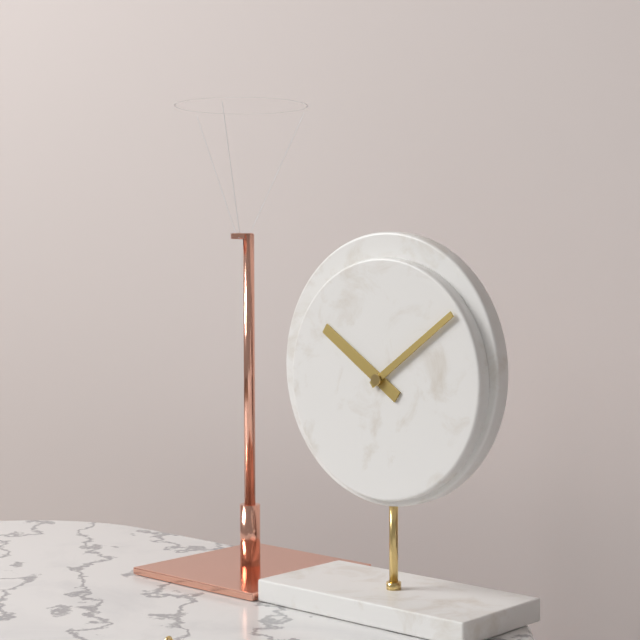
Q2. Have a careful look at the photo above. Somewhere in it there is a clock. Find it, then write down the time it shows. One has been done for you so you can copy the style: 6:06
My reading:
10:09
